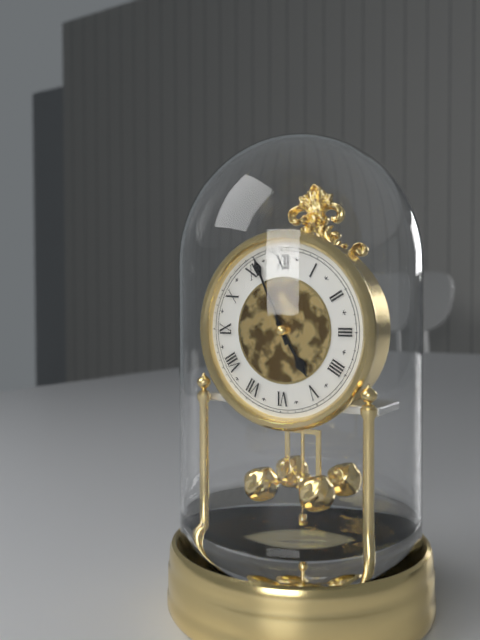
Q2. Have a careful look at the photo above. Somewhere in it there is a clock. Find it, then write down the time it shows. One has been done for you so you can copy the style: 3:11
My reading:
4:56
